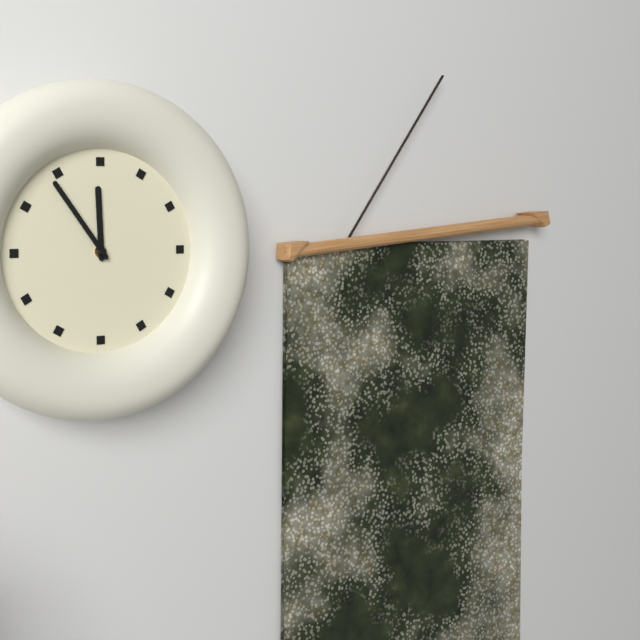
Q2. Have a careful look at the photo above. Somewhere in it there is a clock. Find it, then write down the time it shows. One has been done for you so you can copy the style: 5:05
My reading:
11:54
